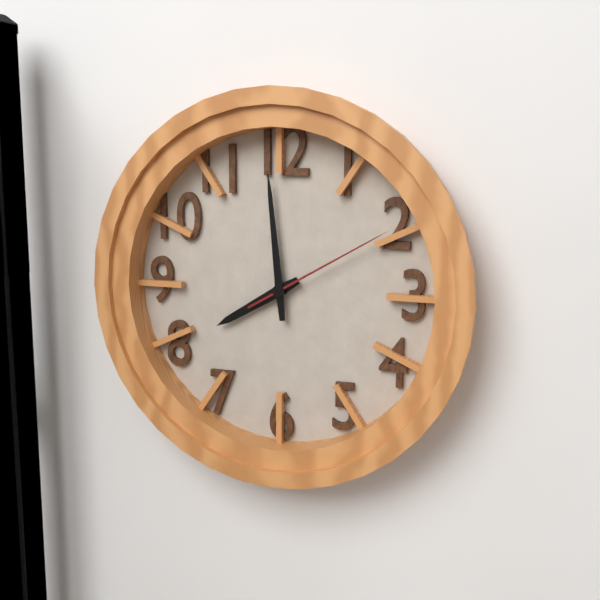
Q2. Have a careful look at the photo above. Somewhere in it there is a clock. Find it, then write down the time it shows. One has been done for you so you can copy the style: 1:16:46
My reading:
7:59:10
